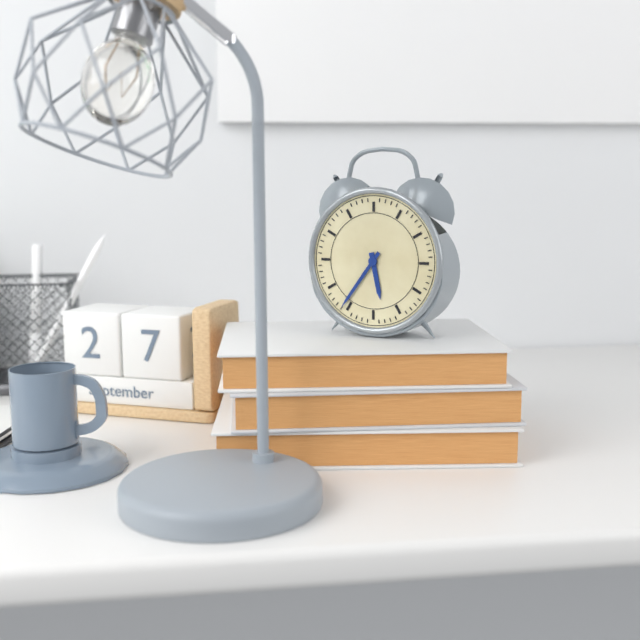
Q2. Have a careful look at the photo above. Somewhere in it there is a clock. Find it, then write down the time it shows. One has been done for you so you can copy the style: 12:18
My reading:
5:36
